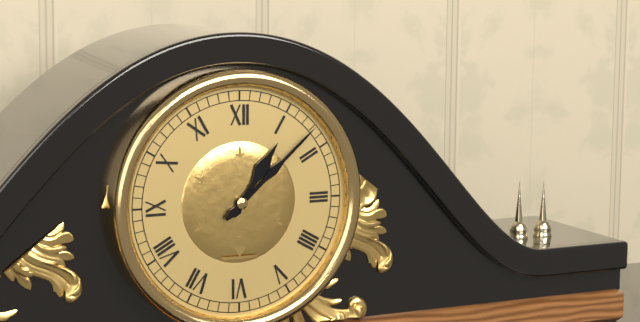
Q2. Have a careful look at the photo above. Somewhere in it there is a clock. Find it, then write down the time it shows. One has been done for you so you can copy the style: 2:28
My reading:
1:08
